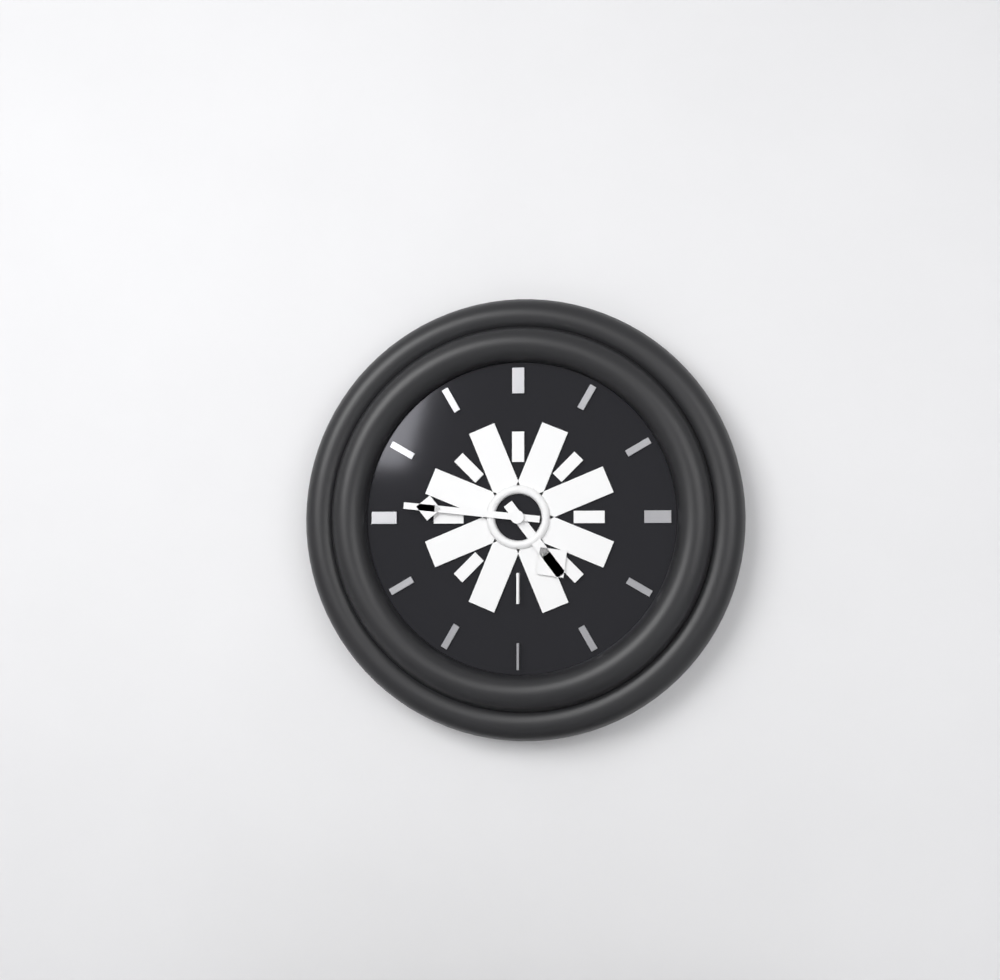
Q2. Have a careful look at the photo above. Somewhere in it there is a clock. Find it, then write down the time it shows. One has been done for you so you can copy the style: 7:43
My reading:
4:46
